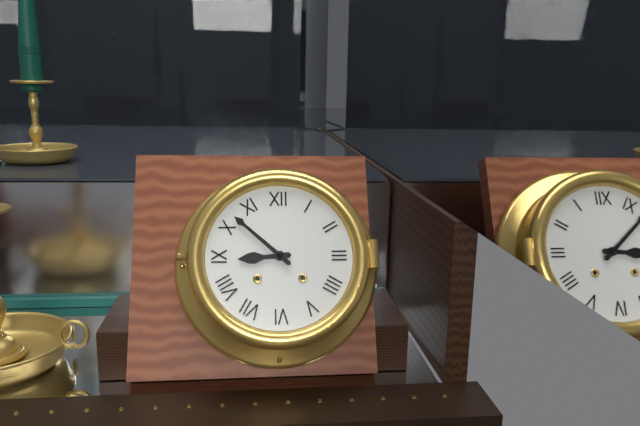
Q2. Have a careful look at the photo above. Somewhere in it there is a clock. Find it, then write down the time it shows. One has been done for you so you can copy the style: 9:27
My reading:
8:52
